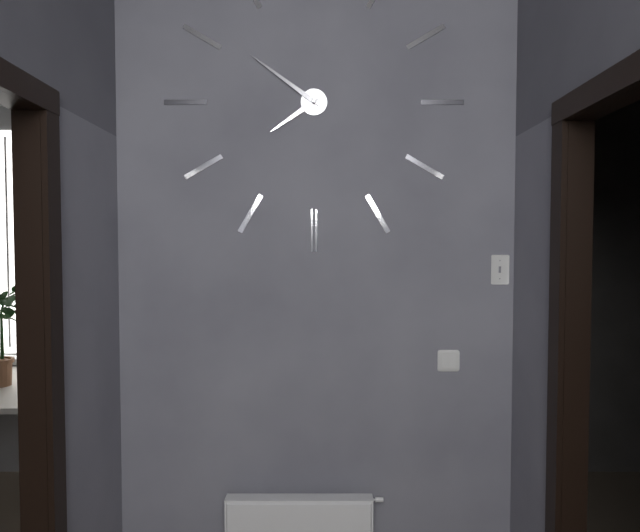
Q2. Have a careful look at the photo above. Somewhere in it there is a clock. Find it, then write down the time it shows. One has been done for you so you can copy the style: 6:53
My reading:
7:51
